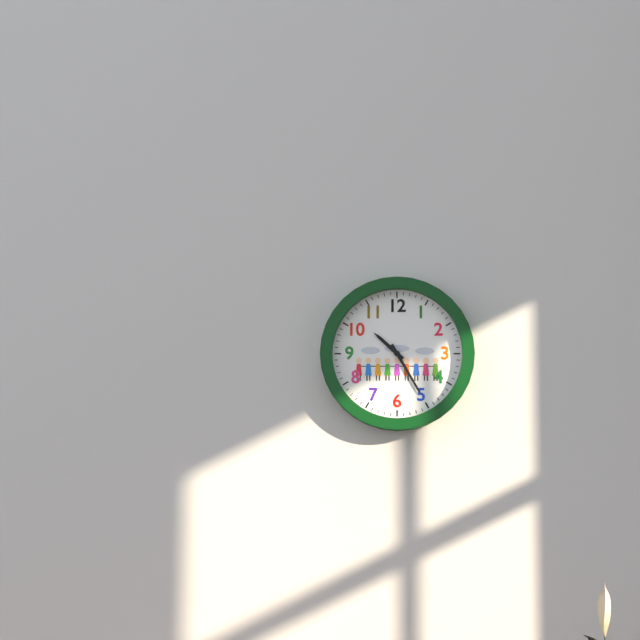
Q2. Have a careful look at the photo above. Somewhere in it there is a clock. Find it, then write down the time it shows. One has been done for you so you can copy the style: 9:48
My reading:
10:25
